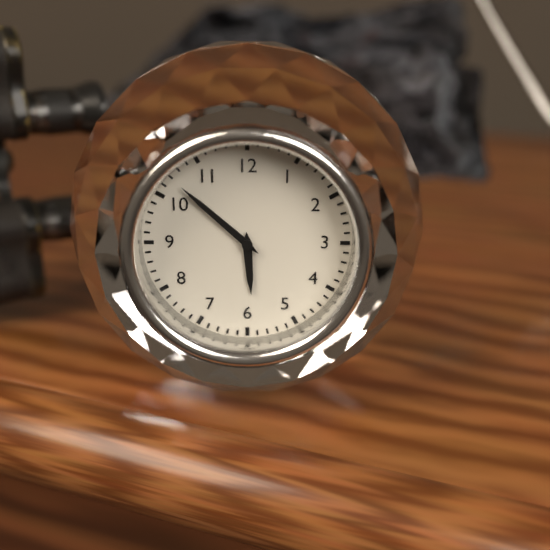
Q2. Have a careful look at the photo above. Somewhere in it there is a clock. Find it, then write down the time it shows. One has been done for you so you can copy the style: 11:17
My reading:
5:52
